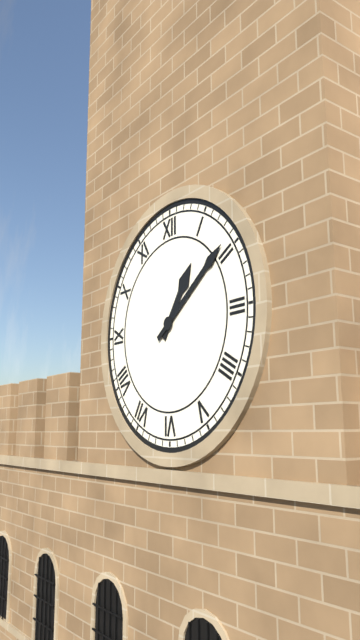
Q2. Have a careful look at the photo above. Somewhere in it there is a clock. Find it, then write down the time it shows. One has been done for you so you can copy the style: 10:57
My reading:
1:09
